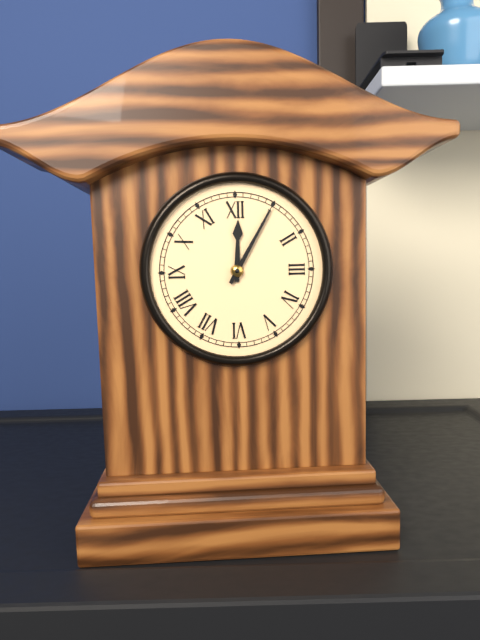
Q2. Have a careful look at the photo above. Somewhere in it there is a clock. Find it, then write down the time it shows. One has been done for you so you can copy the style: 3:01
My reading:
12:05
